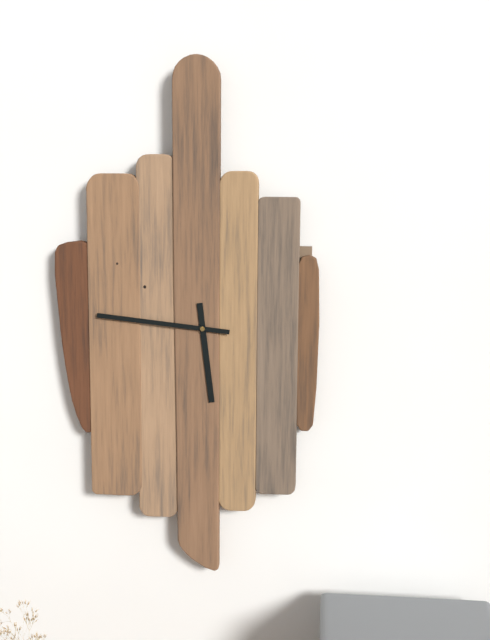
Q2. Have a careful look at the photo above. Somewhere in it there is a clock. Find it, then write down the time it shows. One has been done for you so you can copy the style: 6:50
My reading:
5:46
